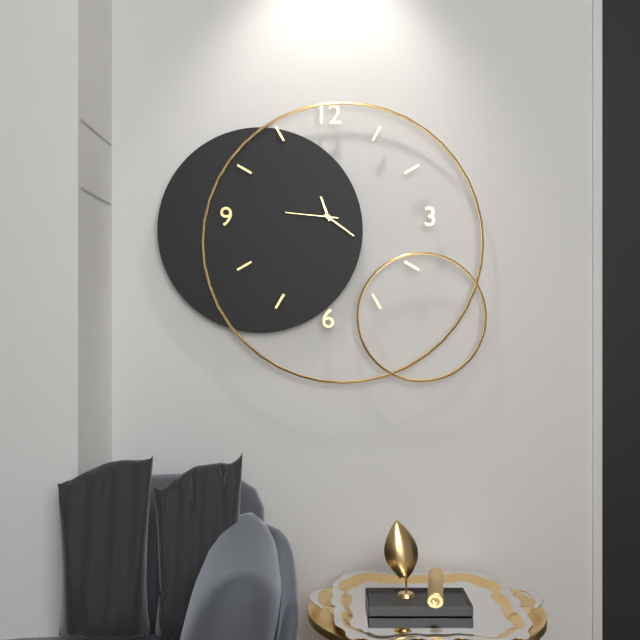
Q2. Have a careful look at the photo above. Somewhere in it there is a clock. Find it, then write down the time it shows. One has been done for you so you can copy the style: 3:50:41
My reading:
11:21:46
